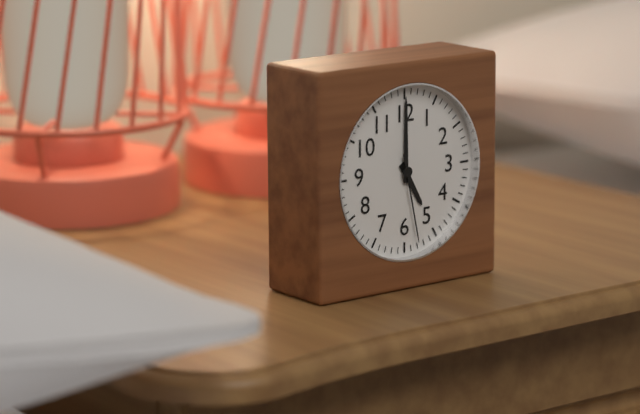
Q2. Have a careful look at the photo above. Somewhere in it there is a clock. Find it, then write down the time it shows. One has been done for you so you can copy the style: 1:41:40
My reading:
5:00:28
